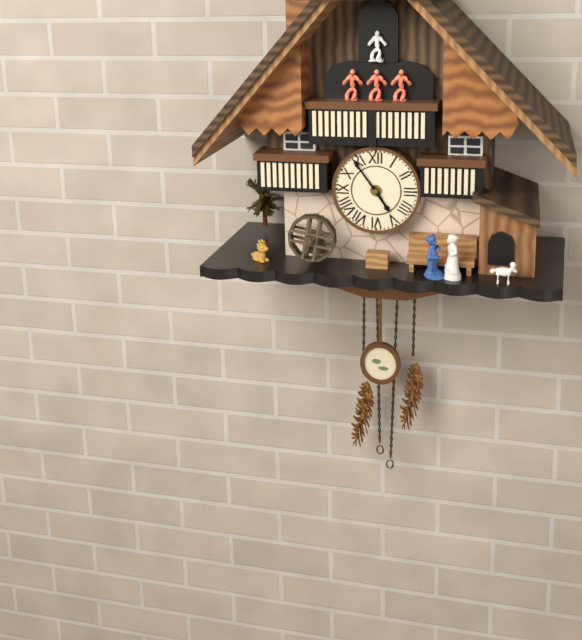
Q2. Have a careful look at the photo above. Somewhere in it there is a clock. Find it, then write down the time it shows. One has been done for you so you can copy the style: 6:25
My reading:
4:54
